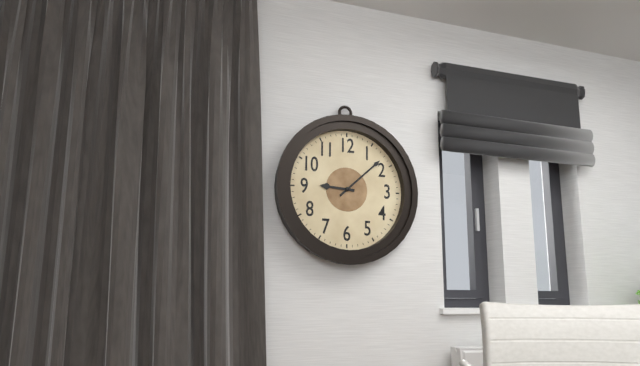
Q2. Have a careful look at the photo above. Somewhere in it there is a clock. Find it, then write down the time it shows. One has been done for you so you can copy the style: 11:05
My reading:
9:08
